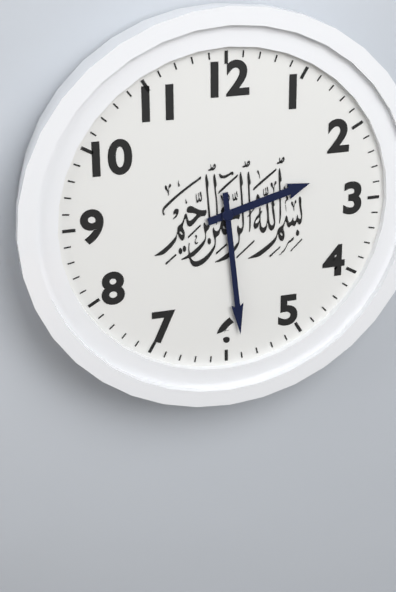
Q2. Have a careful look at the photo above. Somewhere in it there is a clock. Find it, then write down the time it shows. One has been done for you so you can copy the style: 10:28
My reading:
2:29
